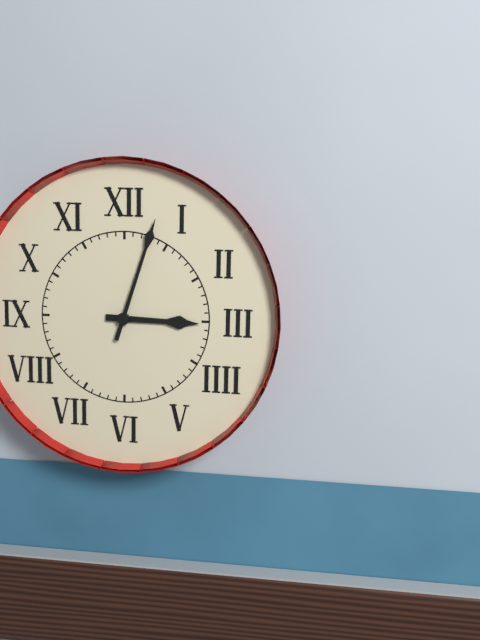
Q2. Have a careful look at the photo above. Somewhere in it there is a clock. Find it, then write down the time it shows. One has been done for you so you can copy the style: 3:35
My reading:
3:03
